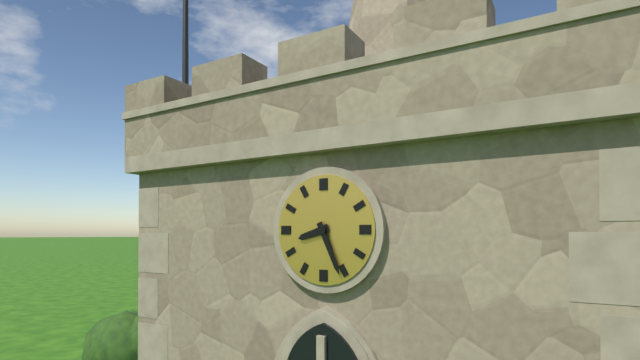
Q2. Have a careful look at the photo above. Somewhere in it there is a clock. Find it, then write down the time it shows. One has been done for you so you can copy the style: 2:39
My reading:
8:26
